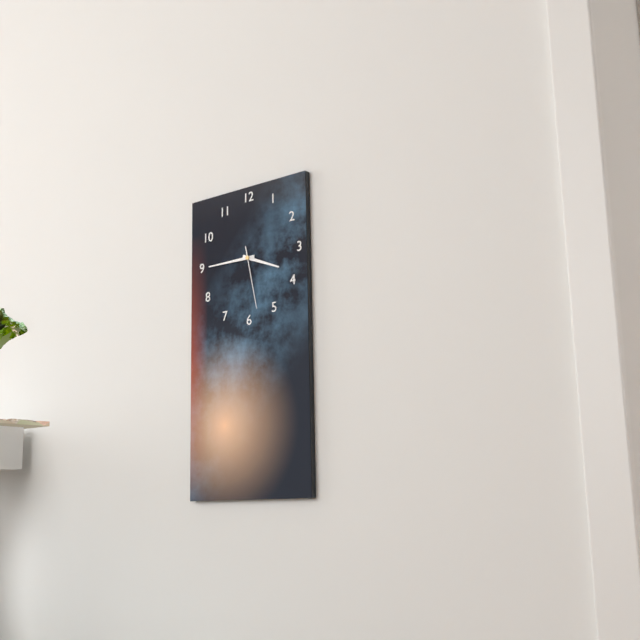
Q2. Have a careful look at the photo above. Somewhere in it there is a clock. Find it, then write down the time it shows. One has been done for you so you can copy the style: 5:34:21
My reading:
3:45:28
